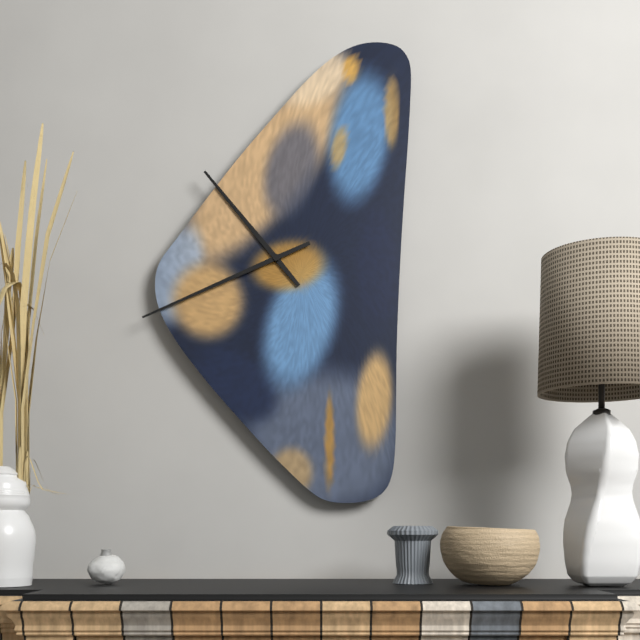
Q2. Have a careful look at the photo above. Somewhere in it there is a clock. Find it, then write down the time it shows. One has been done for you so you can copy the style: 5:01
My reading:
10:41
